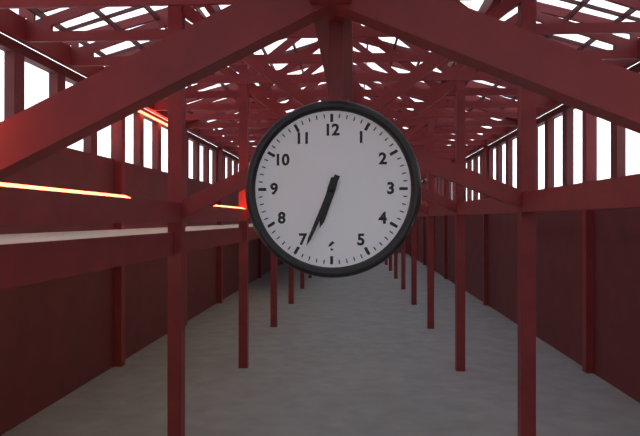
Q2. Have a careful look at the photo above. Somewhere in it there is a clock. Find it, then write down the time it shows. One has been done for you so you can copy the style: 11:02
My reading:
6:34
